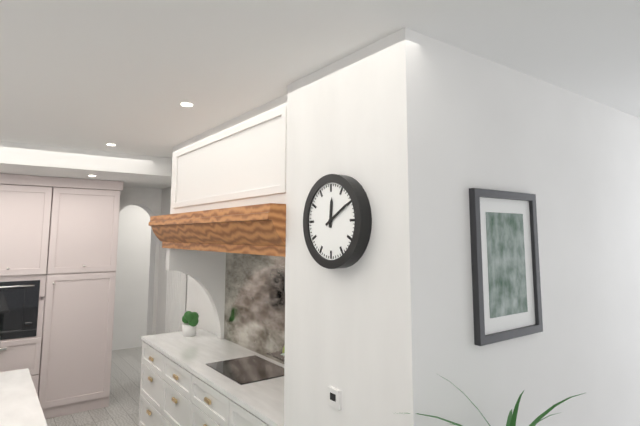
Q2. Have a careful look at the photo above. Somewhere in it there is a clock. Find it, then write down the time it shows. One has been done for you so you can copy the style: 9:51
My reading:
12:10
